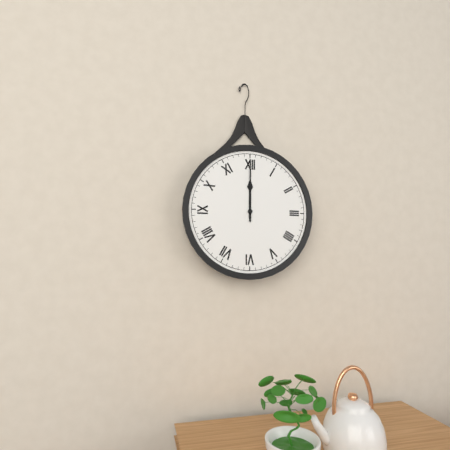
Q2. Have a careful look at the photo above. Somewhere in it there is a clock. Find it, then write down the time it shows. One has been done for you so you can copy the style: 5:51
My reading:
12:00
